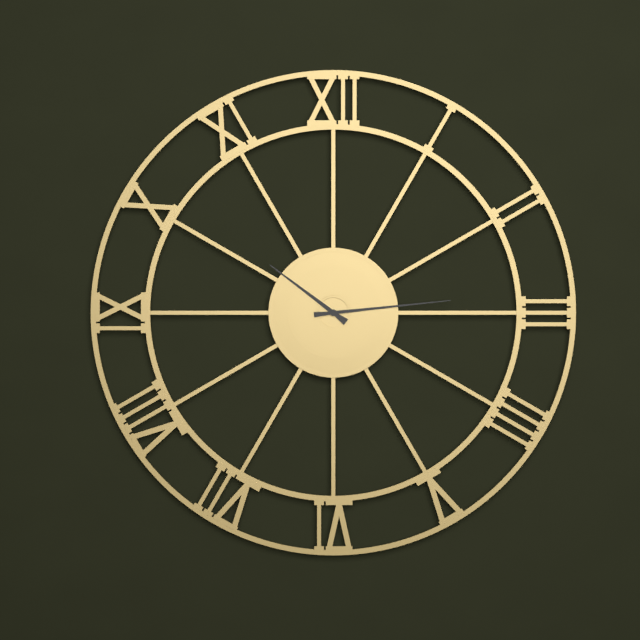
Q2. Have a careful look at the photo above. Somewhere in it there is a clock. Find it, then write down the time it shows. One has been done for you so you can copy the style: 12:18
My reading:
10:14
